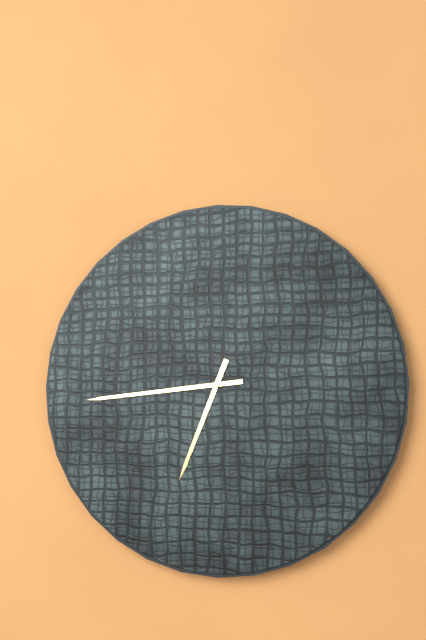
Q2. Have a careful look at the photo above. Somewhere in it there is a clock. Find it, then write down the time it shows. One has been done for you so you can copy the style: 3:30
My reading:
6:44
